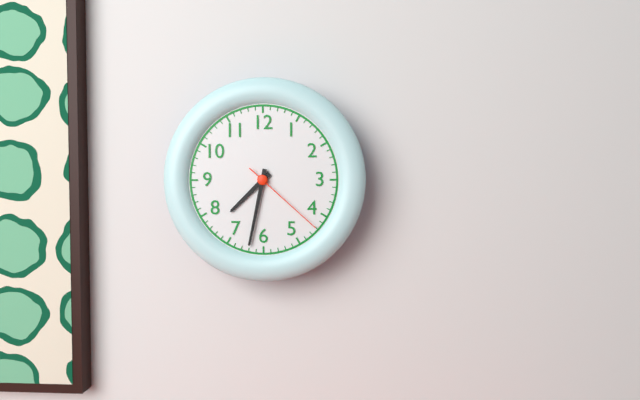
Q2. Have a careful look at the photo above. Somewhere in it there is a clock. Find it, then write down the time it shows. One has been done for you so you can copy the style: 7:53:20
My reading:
7:32:22
